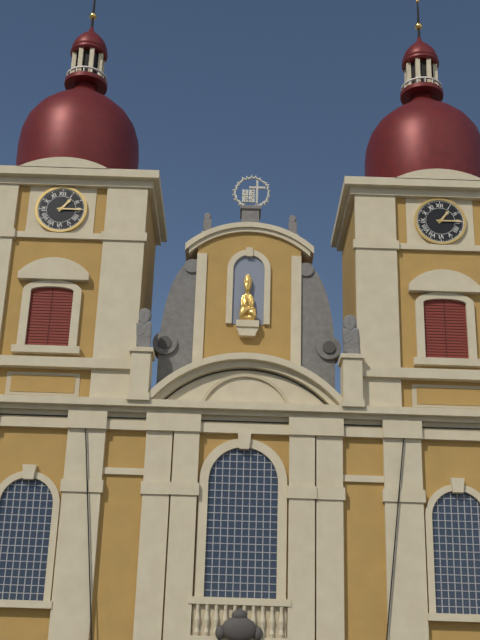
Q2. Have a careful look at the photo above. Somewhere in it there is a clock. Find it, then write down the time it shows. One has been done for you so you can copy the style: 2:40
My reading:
1:15
